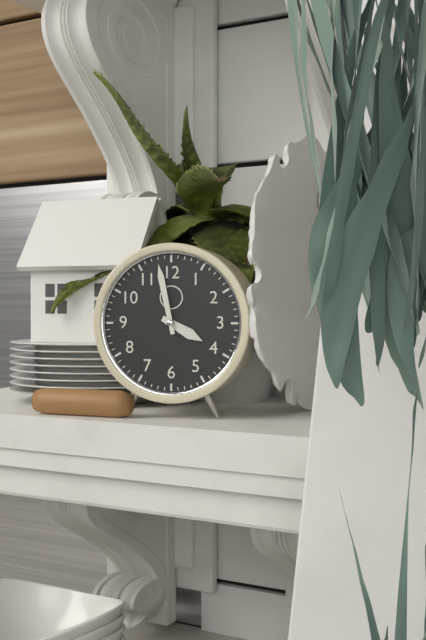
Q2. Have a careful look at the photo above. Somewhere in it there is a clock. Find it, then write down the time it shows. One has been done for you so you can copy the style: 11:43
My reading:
3:58
